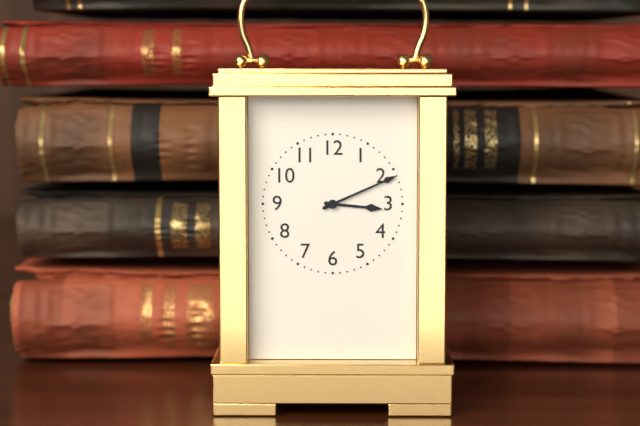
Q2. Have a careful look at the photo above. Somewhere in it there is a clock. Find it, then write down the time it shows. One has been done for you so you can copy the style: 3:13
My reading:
3:11
